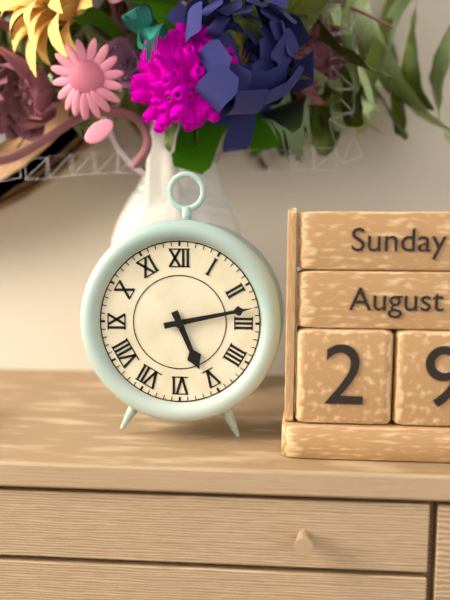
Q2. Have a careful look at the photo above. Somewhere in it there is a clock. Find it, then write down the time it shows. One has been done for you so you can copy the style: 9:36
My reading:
5:13
